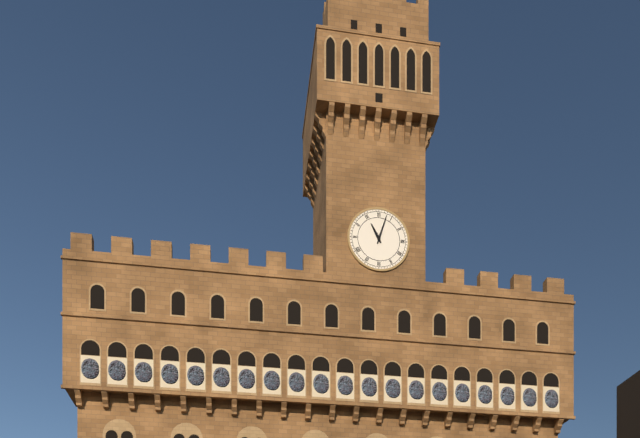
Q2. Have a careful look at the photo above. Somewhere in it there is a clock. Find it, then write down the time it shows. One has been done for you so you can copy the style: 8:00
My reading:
11:03
